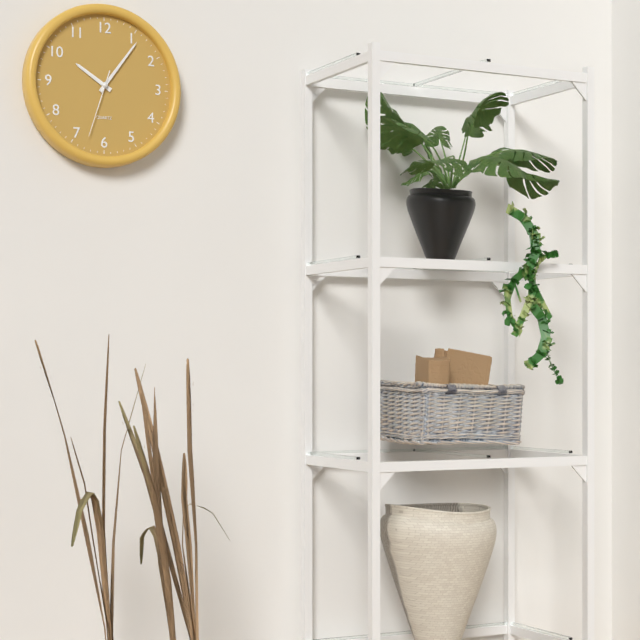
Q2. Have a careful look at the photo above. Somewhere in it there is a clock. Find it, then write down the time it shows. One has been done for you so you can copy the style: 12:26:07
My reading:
10:06:33
